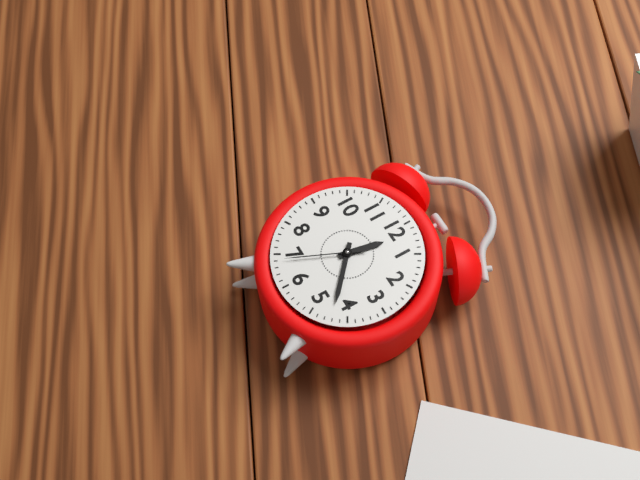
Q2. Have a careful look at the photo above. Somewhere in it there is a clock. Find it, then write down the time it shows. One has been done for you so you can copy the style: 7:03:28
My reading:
12:22:34
